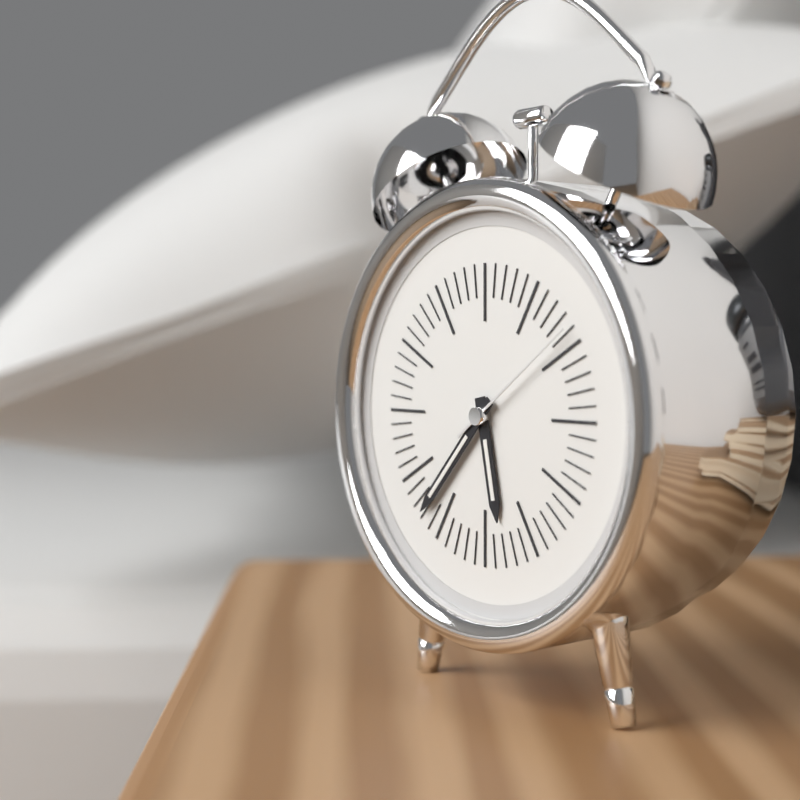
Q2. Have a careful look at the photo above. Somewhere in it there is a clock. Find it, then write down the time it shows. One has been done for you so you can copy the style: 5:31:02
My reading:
5:37:09
